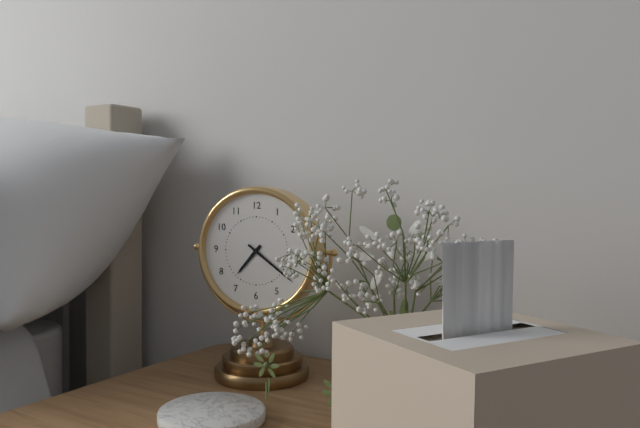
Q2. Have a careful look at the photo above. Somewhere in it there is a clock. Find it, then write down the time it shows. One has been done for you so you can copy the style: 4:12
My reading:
7:21
